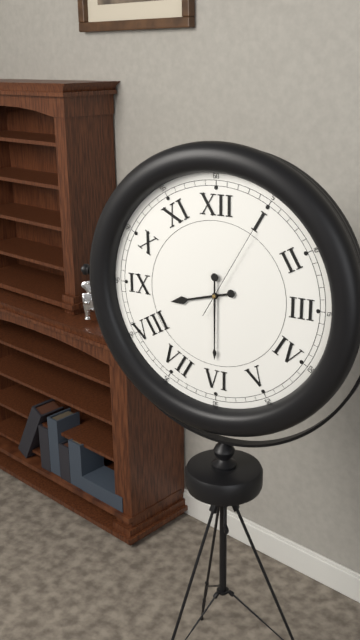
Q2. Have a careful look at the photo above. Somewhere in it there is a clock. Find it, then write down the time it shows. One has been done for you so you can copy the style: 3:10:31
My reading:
8:30:05
